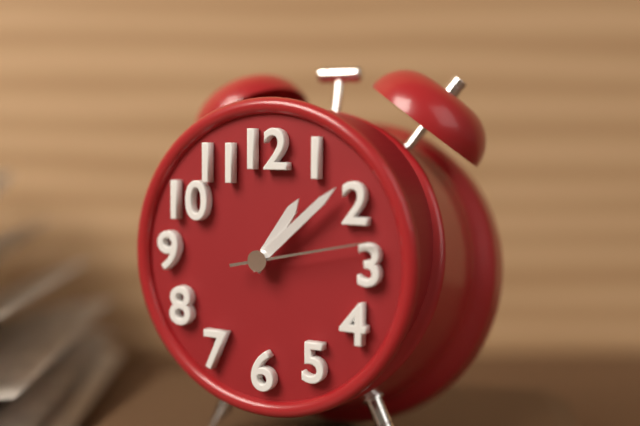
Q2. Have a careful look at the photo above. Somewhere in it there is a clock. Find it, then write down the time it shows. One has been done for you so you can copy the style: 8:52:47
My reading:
1:08:13
